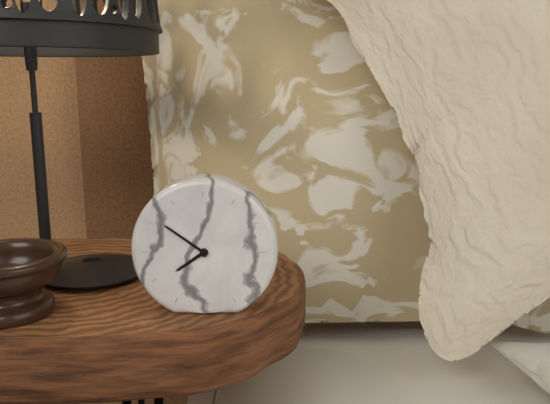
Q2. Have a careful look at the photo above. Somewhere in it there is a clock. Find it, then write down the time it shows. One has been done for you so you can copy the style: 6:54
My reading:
7:51
